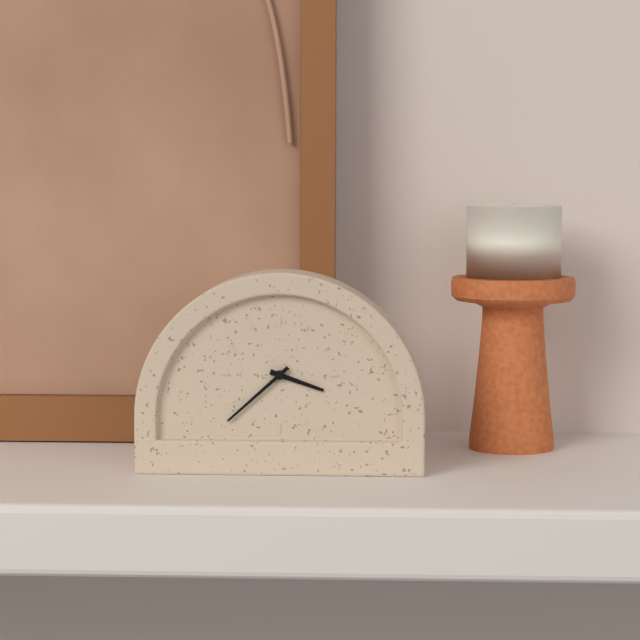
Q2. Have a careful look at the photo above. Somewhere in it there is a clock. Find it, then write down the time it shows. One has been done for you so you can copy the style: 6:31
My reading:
3:38
